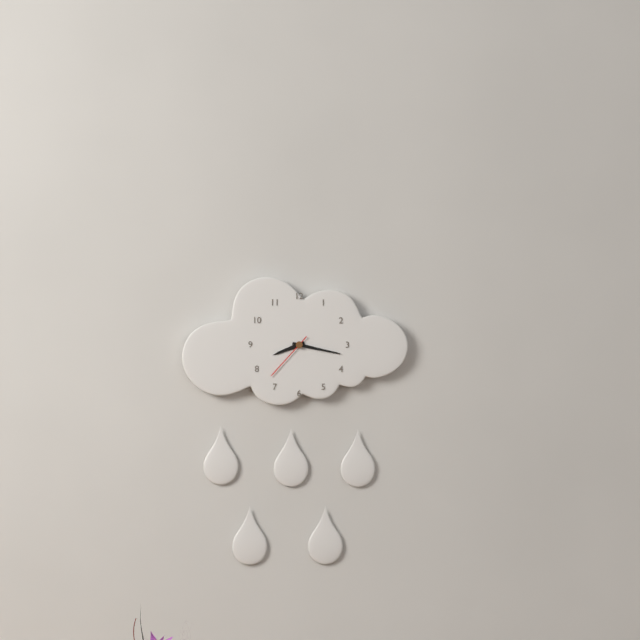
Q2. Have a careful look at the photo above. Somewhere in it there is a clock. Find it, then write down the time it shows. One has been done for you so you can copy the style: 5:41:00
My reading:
8:17:37
